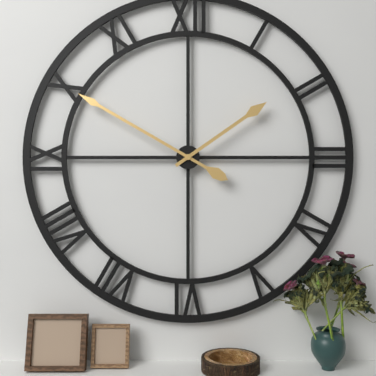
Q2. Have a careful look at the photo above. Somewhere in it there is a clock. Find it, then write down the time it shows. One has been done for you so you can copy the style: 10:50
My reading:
1:50
